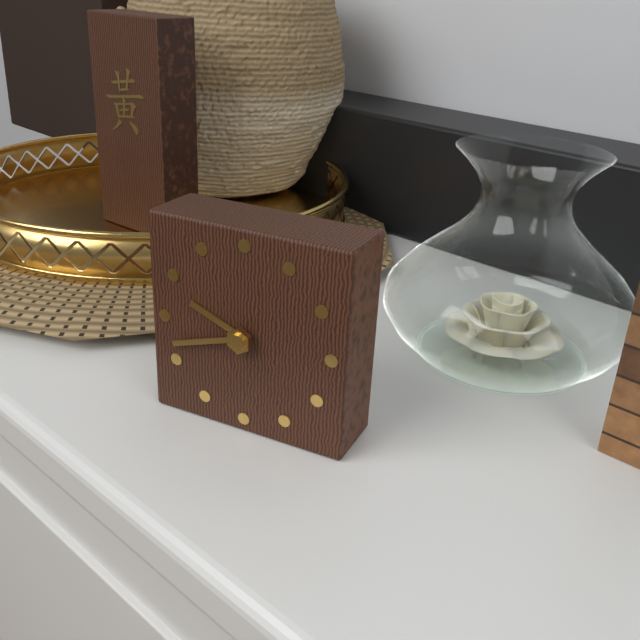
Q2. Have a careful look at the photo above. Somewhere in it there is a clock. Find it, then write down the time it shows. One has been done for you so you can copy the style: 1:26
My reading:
9:42
